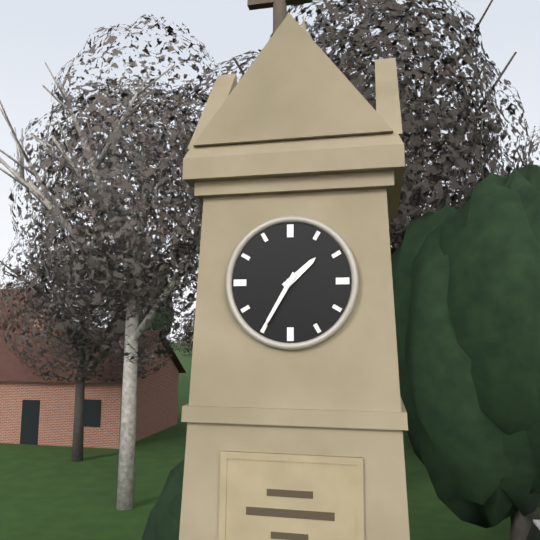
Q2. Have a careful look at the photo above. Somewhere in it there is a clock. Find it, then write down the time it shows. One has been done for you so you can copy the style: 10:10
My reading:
1:35
